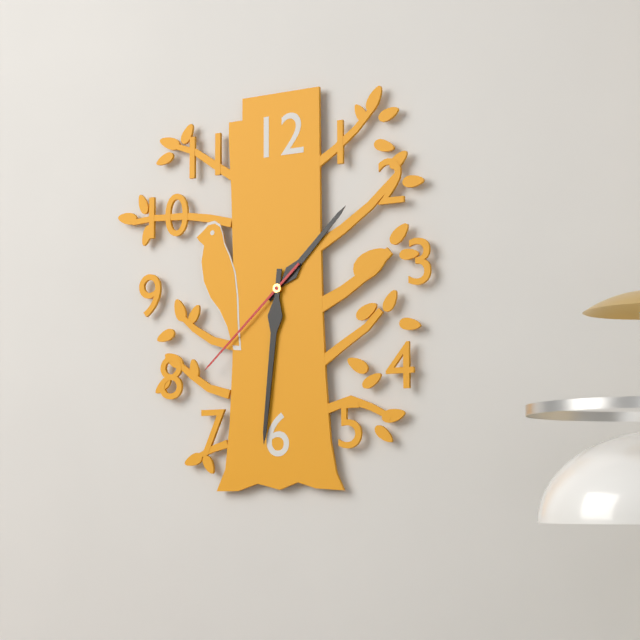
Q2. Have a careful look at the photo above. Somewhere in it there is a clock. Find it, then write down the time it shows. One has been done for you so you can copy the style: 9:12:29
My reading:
1:31:38
